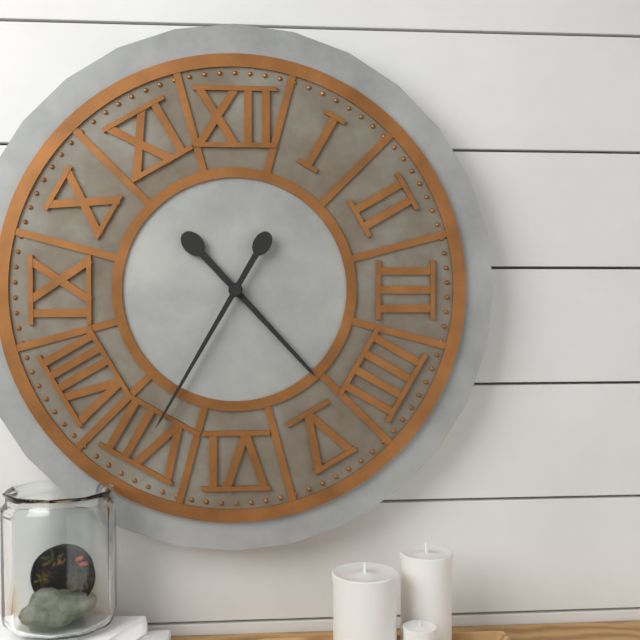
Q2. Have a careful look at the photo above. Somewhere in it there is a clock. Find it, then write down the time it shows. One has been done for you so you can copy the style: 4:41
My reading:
4:35
